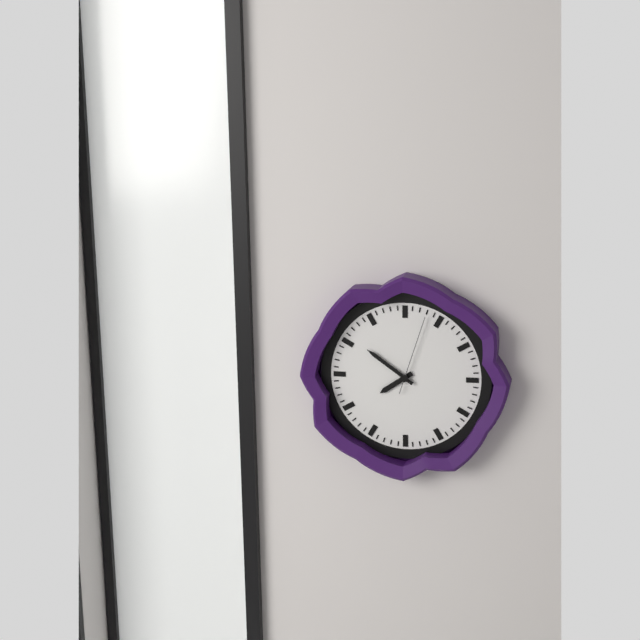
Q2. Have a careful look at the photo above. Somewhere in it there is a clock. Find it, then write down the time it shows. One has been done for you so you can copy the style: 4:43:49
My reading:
7:51:03
